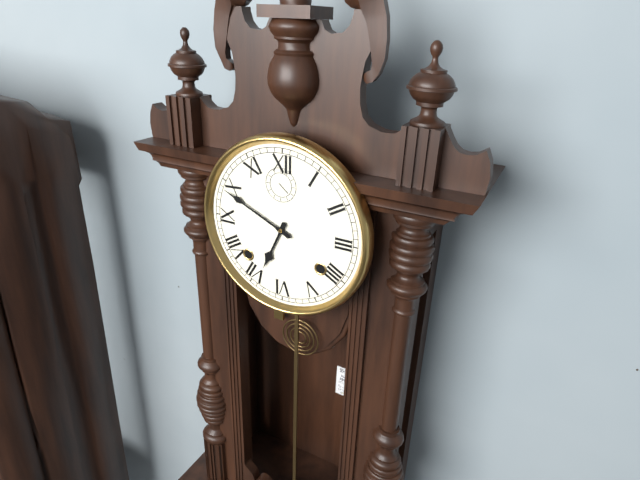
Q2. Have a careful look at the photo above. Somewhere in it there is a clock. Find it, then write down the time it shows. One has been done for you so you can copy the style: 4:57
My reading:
6:49
